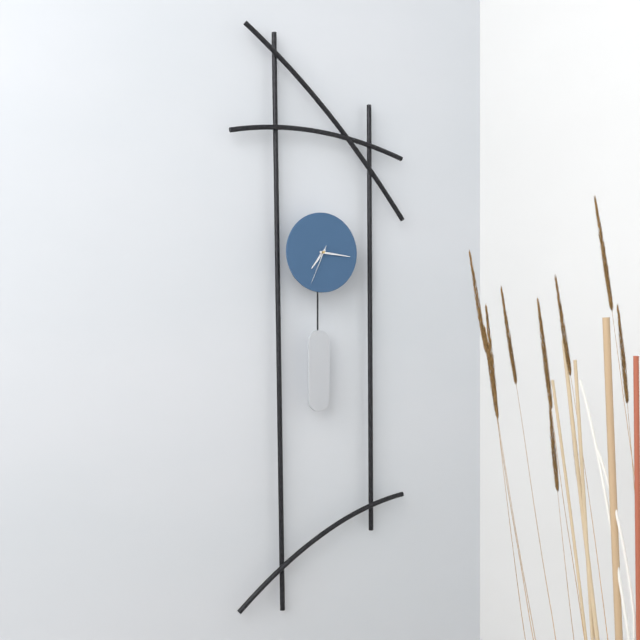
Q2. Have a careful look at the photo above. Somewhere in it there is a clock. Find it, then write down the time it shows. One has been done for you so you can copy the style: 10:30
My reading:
7:16
